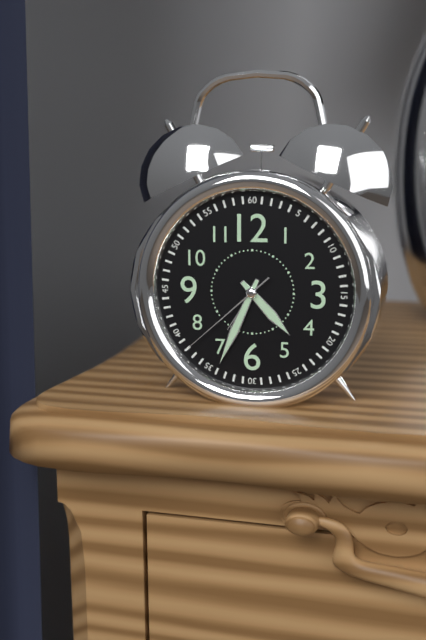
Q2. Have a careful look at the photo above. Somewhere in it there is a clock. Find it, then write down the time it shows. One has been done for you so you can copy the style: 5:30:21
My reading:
4:34:38
